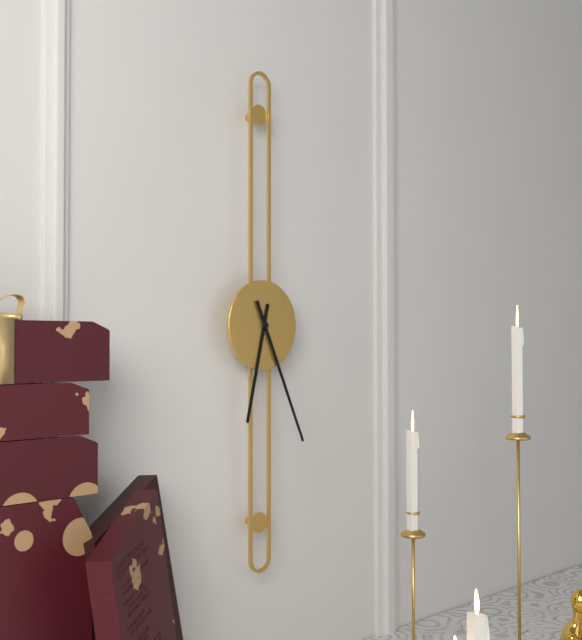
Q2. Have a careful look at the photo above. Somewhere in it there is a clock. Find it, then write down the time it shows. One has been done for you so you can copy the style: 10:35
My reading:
6:26
